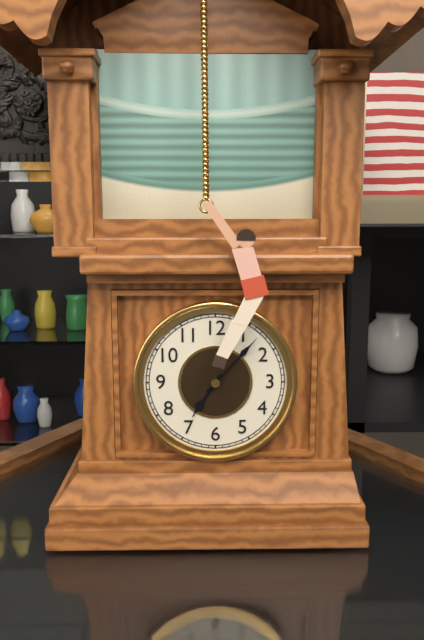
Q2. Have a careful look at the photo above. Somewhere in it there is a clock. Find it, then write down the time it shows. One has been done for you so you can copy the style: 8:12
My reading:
7:07
